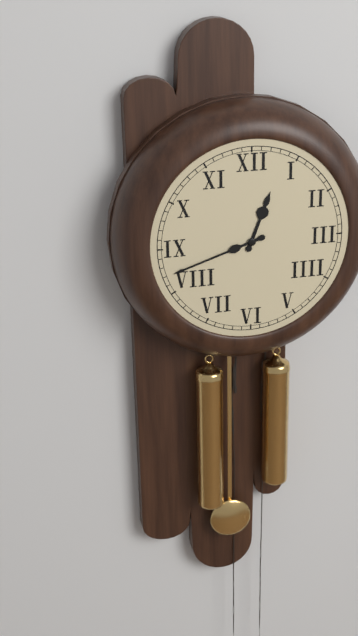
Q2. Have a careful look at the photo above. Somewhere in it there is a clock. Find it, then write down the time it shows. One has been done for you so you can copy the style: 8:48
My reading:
12:42
